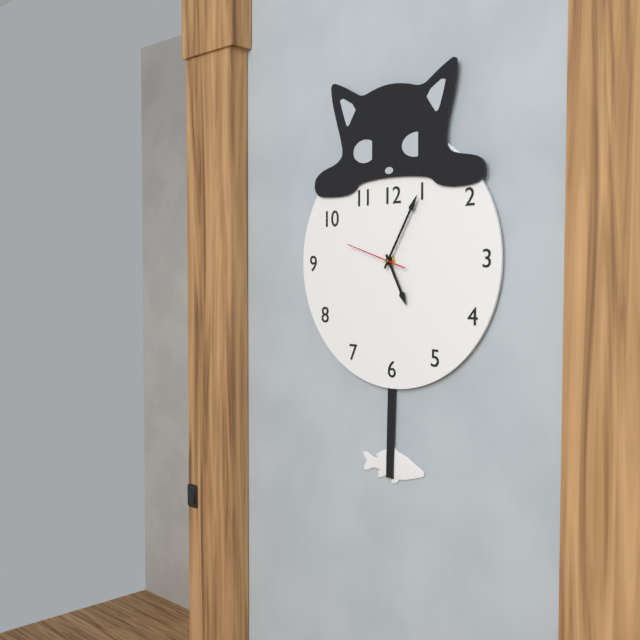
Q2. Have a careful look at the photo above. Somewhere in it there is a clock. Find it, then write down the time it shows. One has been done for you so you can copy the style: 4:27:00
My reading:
5:05:48
